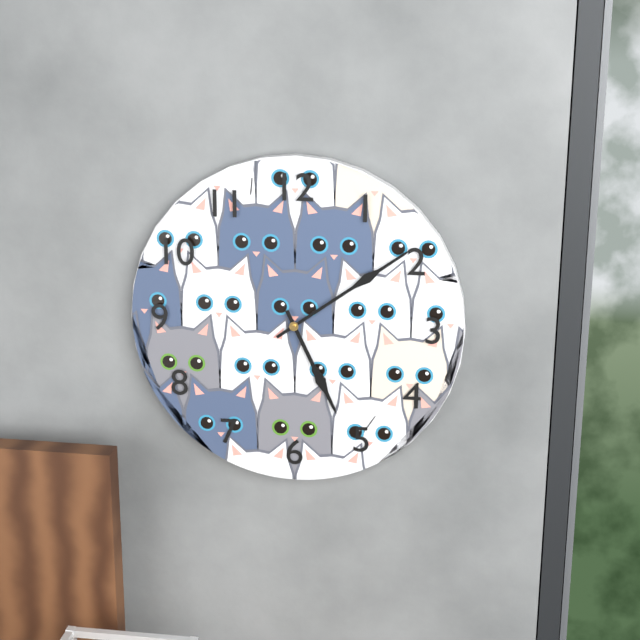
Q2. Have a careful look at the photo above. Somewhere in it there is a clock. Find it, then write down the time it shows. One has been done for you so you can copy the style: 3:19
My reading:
5:09
